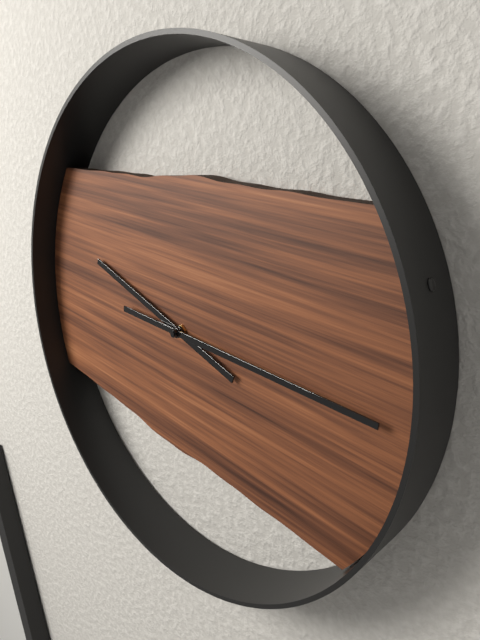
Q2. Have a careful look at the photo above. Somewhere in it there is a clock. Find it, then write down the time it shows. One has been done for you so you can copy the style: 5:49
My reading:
10:19
